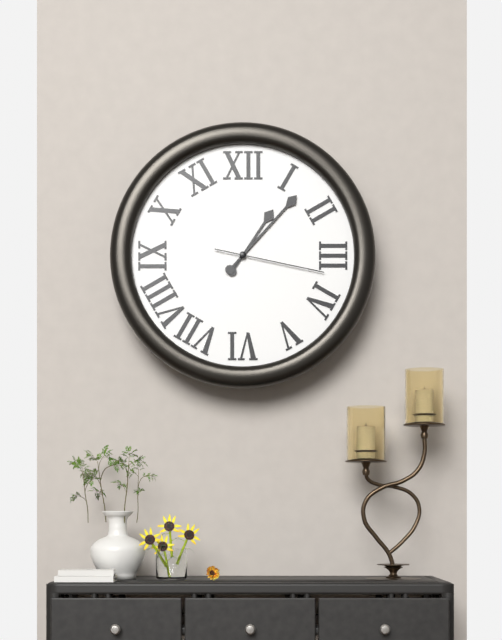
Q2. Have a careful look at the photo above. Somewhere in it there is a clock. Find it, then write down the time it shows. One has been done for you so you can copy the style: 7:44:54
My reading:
1:07:17
